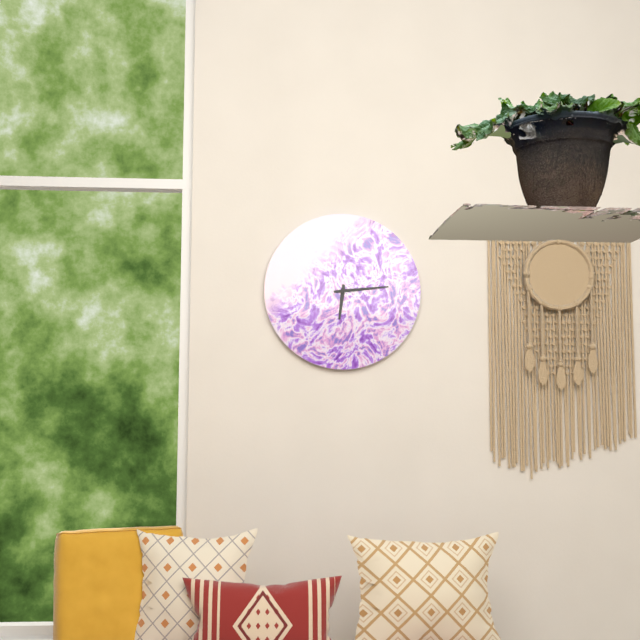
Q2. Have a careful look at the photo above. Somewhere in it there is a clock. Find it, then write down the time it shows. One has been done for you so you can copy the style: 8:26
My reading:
6:14
